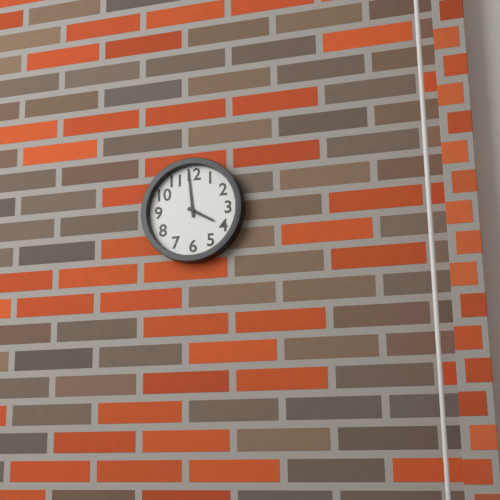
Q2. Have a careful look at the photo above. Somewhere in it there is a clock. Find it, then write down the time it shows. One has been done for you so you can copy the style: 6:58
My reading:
3:59
